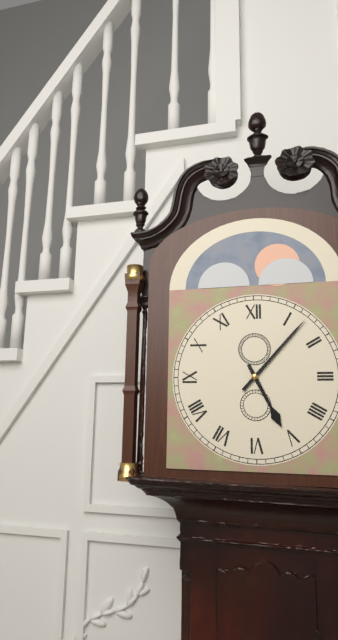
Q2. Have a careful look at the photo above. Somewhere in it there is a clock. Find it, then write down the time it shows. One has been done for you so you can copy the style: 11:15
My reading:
5:07
